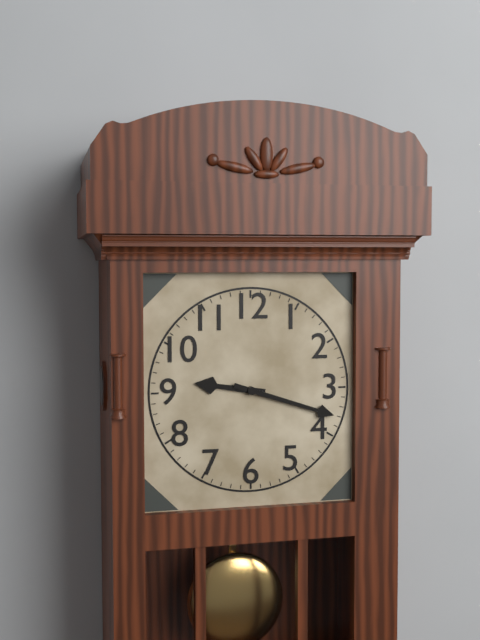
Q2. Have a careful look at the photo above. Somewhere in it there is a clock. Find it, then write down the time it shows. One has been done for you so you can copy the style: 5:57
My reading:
9:18
